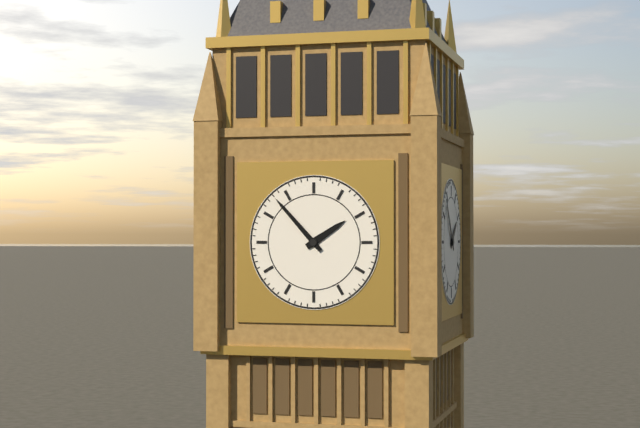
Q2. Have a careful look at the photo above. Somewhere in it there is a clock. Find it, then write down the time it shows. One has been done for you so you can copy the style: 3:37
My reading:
1:53
